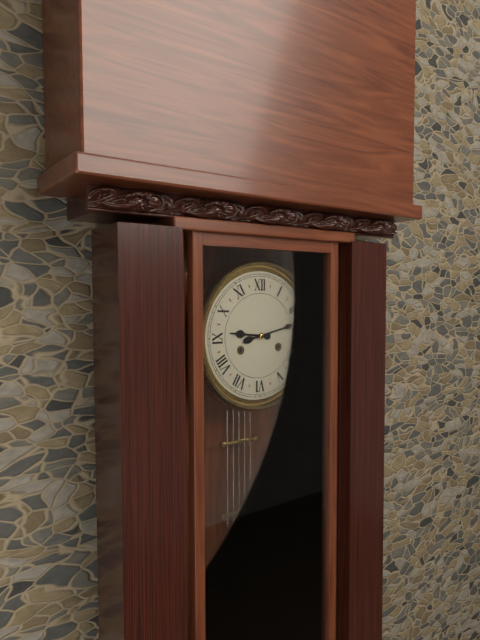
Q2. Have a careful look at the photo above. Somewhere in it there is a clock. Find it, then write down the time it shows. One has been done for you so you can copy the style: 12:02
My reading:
9:13
